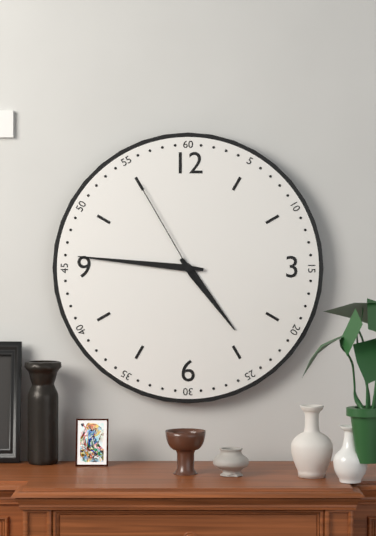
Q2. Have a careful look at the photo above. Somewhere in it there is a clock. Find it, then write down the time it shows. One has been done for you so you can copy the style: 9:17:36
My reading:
4:46:55
